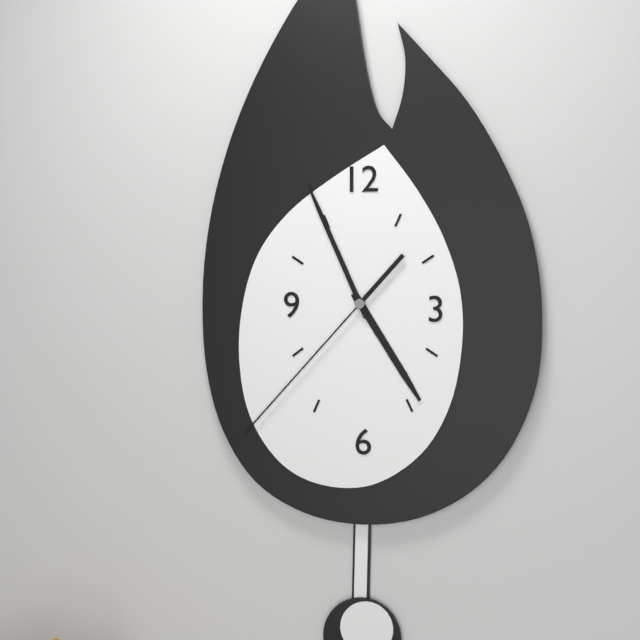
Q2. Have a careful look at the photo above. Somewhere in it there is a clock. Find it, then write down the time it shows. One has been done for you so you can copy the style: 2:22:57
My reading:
4:56:37
